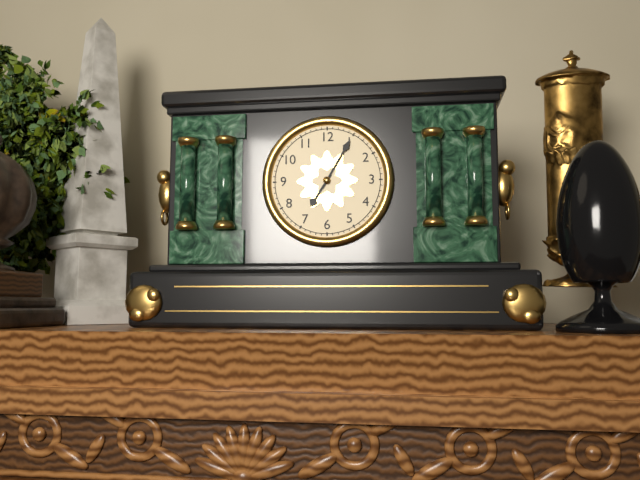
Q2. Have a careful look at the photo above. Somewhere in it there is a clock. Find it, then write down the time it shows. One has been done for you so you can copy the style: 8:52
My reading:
7:05
